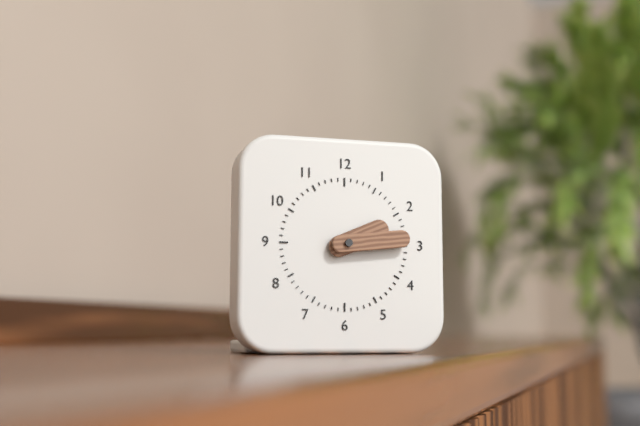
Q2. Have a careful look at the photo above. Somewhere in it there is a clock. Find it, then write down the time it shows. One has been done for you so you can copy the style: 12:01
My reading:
2:14
